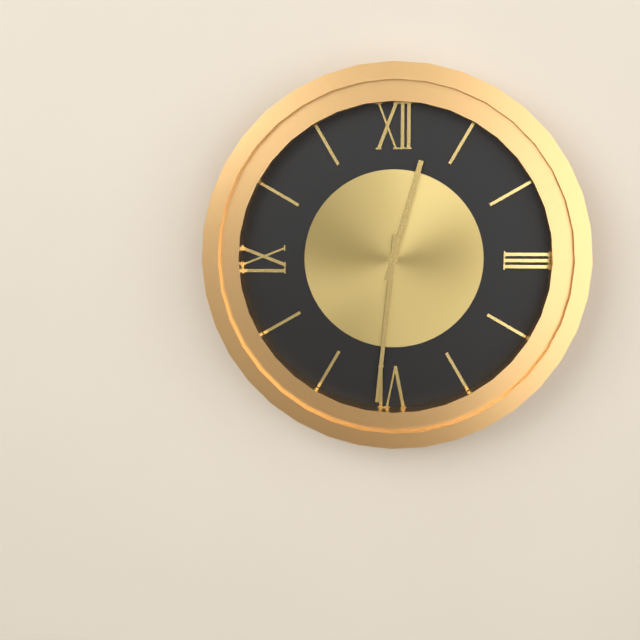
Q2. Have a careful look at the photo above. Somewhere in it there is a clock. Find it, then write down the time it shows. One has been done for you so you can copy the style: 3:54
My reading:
12:31
